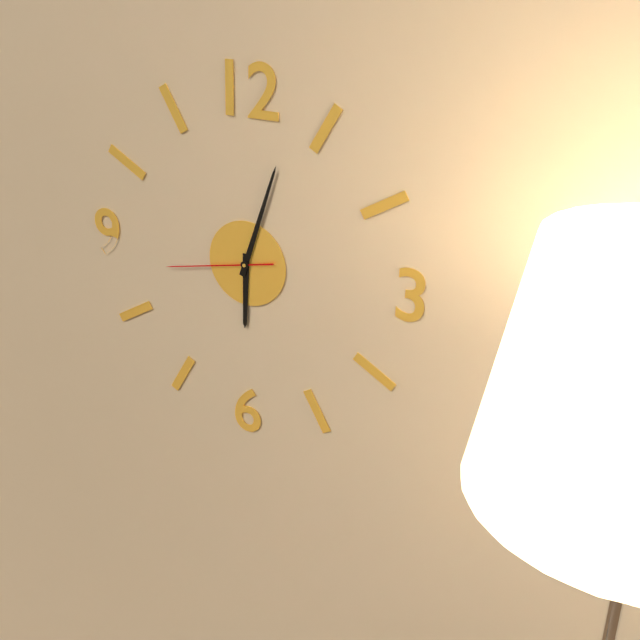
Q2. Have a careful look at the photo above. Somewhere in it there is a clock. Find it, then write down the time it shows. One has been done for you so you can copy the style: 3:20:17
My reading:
6:03:43
